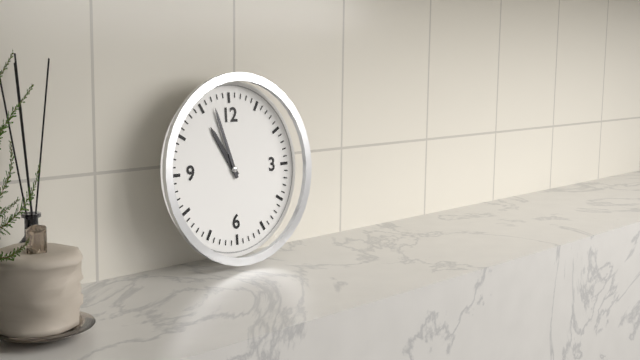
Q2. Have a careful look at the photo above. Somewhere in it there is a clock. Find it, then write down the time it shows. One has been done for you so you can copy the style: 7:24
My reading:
10:57
